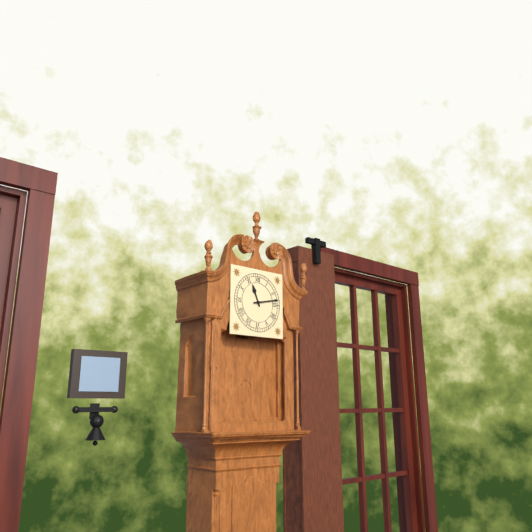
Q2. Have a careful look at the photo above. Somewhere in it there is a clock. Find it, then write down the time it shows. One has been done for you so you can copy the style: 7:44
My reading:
11:13
